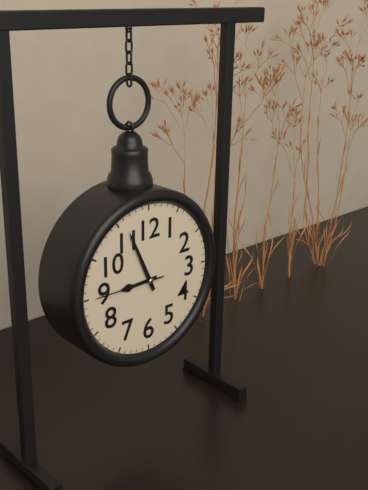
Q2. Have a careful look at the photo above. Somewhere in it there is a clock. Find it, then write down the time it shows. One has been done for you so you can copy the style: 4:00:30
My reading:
8:56:45
